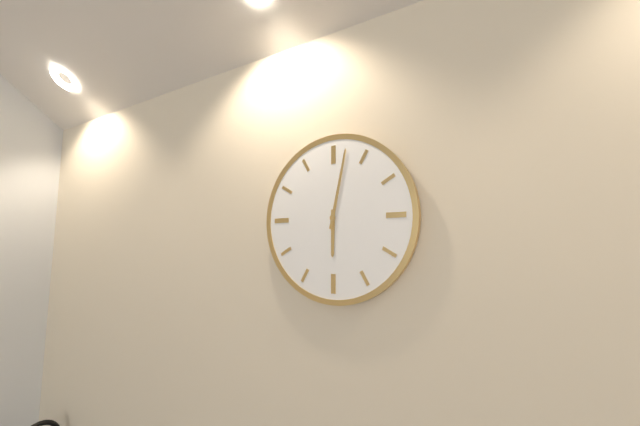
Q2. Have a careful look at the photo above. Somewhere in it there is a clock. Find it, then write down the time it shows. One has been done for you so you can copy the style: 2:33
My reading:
6:02
